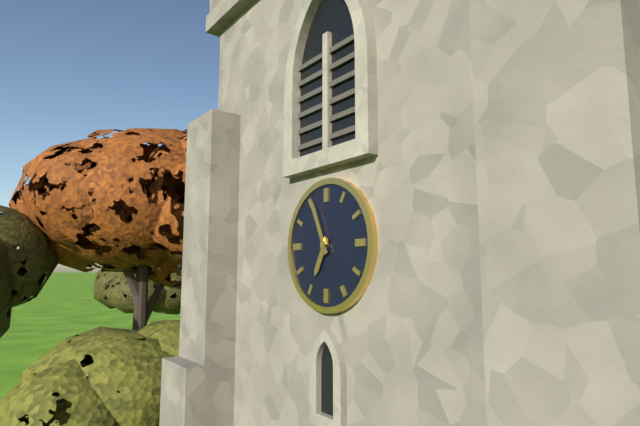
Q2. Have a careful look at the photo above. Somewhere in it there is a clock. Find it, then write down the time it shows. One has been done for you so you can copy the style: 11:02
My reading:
6:56
